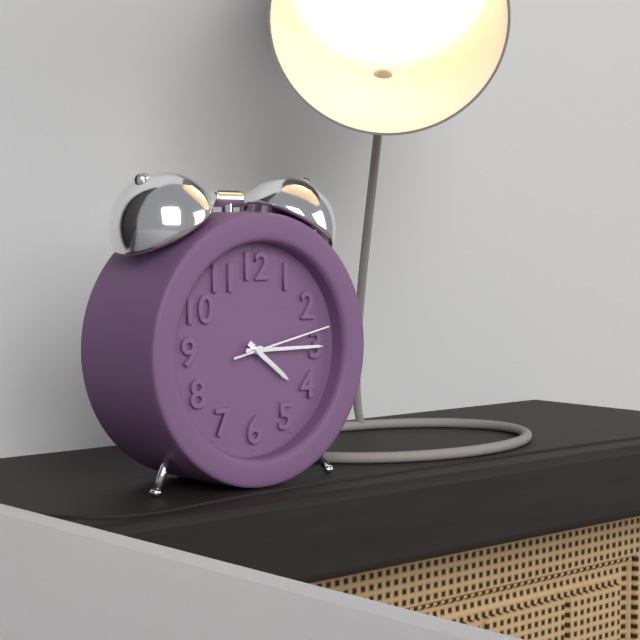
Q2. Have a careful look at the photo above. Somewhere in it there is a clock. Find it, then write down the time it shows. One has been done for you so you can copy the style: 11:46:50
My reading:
4:15:13
